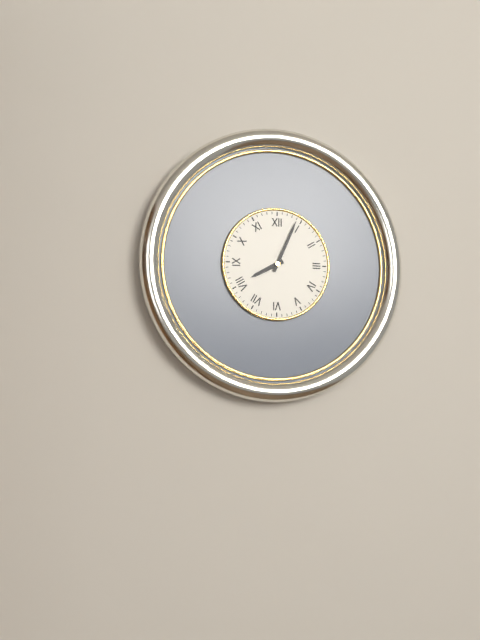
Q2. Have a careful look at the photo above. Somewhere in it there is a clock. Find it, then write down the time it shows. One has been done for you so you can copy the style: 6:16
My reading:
8:04
